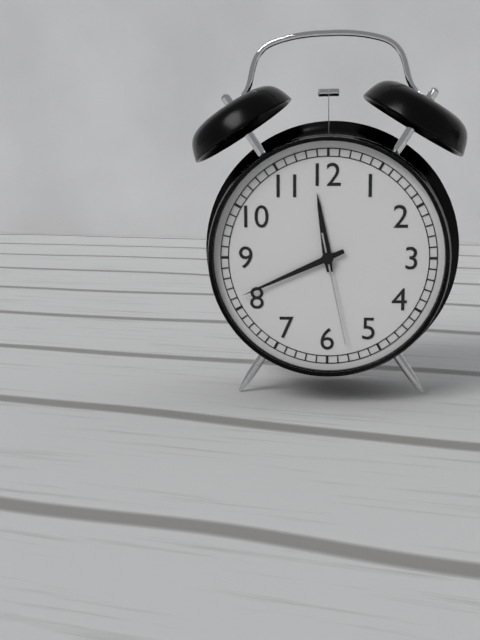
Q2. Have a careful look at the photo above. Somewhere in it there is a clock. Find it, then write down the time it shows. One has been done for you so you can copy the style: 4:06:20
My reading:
11:41:28
